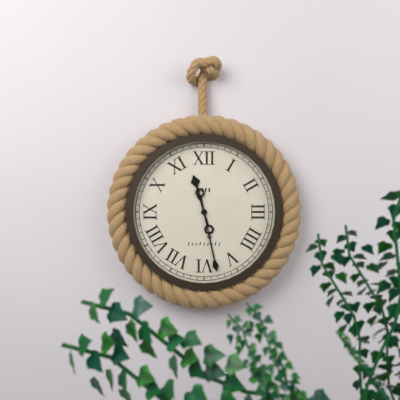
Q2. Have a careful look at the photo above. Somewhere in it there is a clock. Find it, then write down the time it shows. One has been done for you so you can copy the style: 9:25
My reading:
11:28
